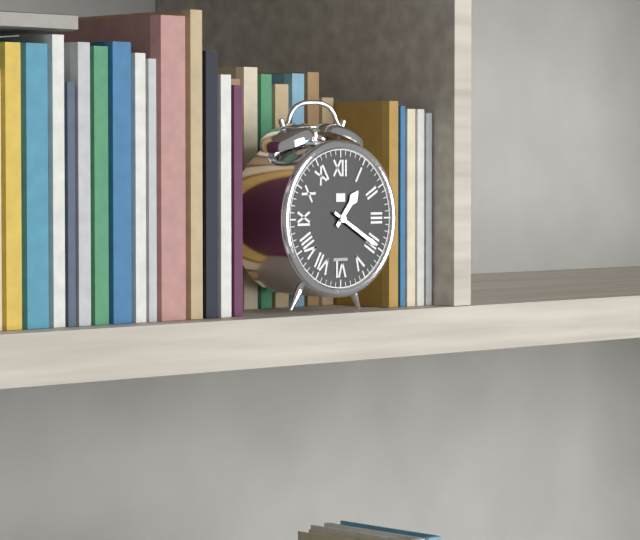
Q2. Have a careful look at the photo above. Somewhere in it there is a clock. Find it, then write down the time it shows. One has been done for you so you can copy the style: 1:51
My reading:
1:20
